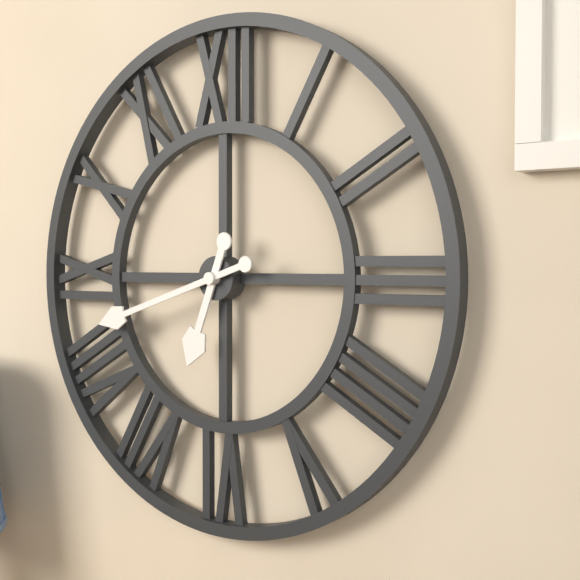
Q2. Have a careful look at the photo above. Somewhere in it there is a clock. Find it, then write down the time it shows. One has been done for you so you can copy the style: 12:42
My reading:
6:42
